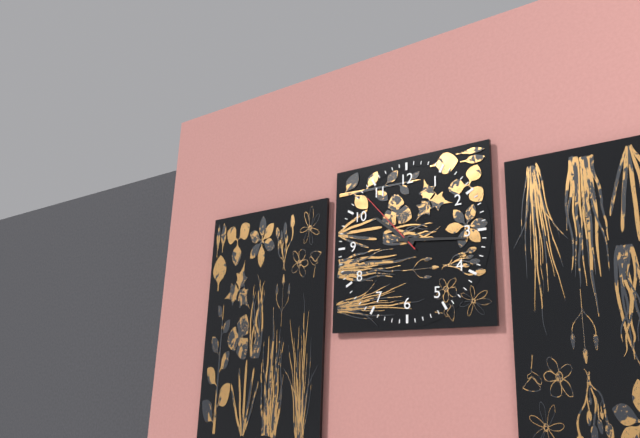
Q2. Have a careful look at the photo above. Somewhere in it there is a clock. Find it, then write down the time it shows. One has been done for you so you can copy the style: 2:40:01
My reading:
10:16:53
